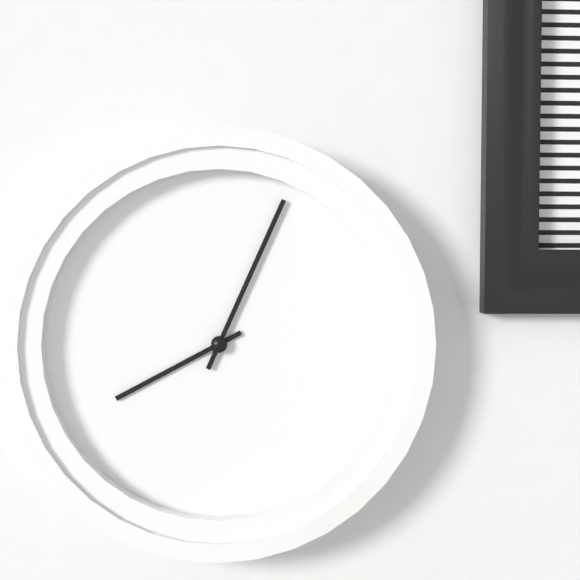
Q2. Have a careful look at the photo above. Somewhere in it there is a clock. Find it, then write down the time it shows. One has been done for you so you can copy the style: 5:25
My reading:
8:04
